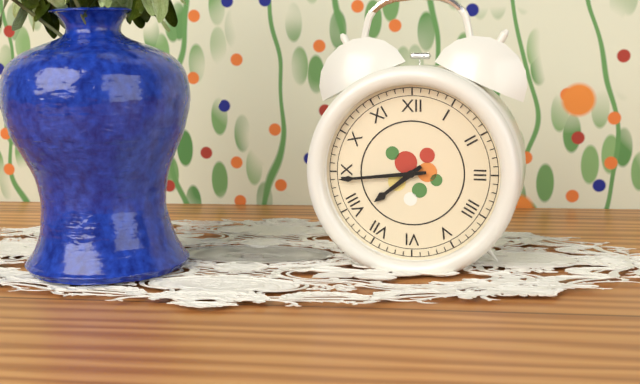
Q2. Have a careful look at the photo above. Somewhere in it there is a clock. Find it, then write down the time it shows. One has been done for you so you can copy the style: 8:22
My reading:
7:44
